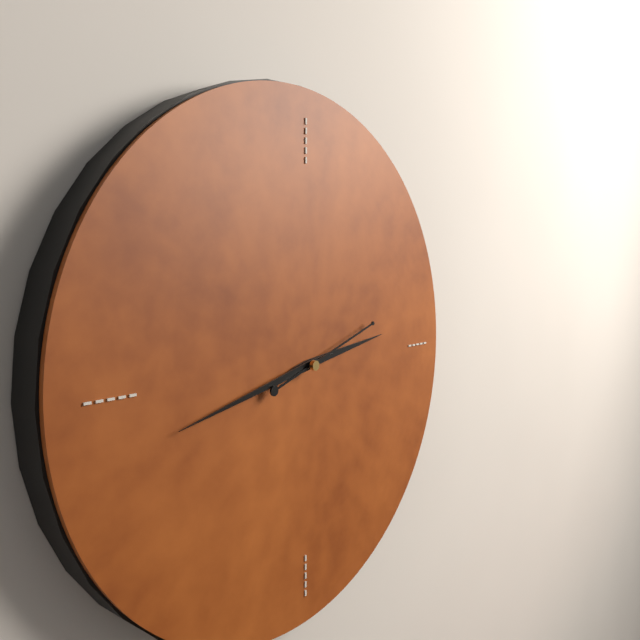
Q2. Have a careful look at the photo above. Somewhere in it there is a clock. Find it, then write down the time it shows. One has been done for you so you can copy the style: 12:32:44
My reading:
2:43:12
